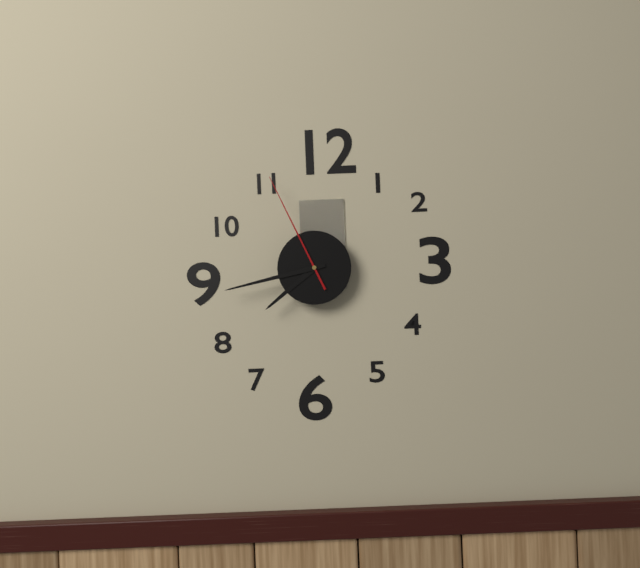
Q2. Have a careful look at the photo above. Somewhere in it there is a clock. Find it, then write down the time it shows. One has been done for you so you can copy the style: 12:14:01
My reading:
7:43:56
